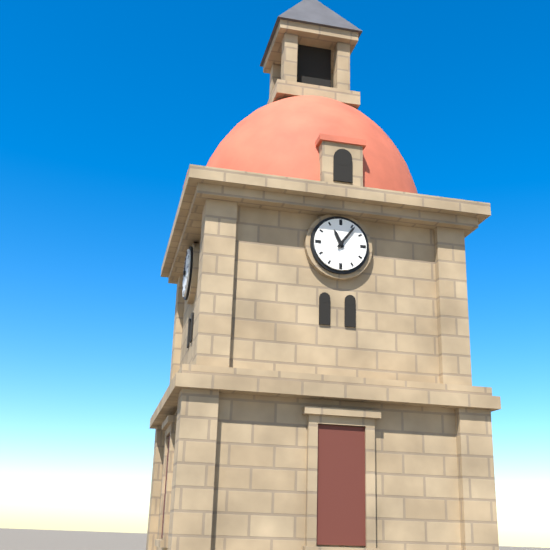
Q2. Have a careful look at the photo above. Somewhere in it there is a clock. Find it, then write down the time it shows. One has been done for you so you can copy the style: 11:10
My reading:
11:06
